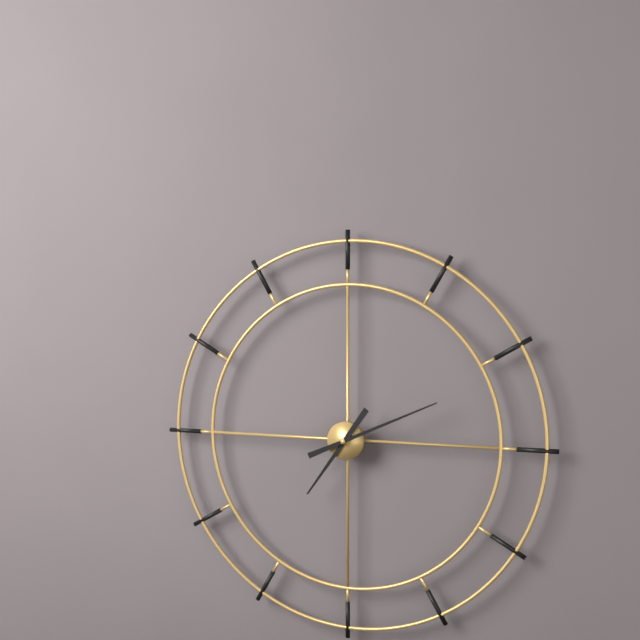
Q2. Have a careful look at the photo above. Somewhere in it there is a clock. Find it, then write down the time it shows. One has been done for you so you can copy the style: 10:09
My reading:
7:11
